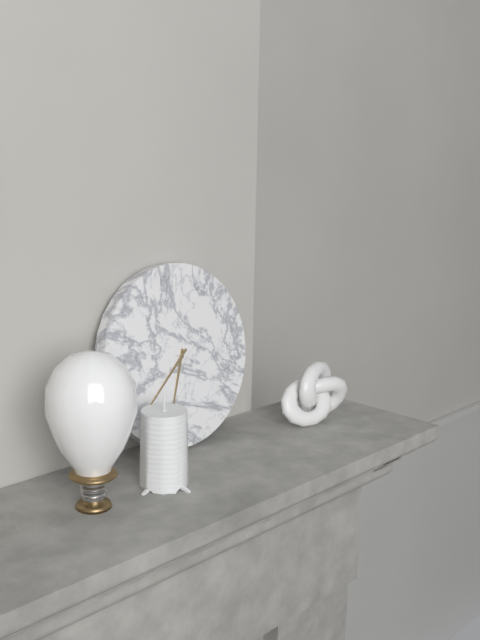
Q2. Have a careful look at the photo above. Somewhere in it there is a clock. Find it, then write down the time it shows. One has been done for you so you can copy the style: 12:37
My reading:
6:38
